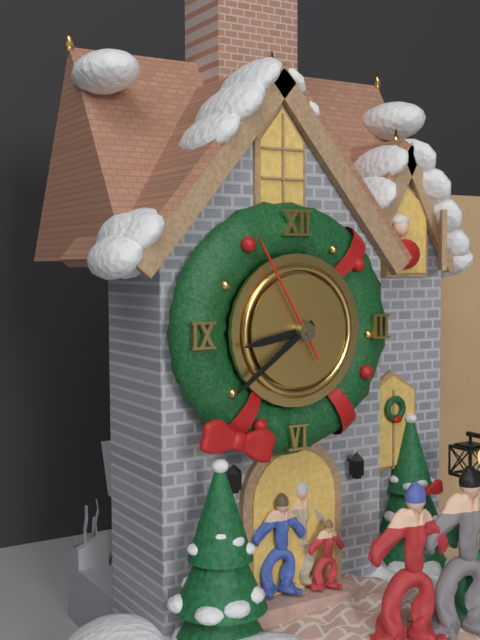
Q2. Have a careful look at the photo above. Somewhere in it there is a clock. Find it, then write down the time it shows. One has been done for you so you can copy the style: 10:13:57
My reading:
8:39:55
